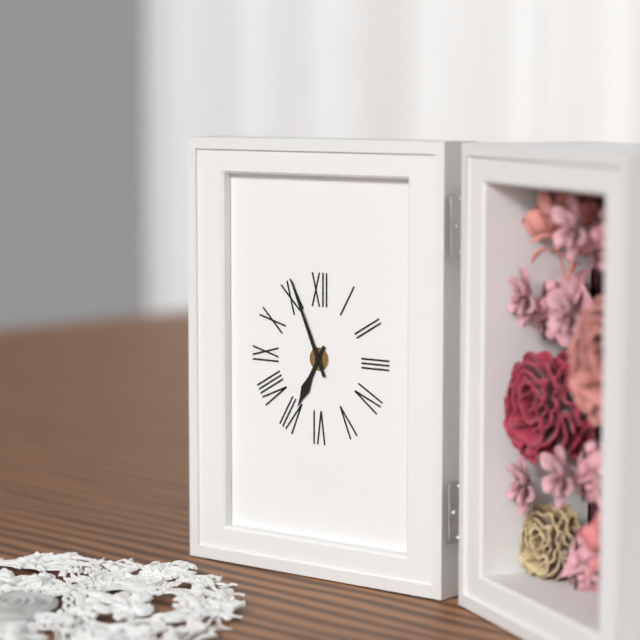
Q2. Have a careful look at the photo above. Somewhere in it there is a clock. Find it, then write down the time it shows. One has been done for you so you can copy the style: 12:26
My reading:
6:56
